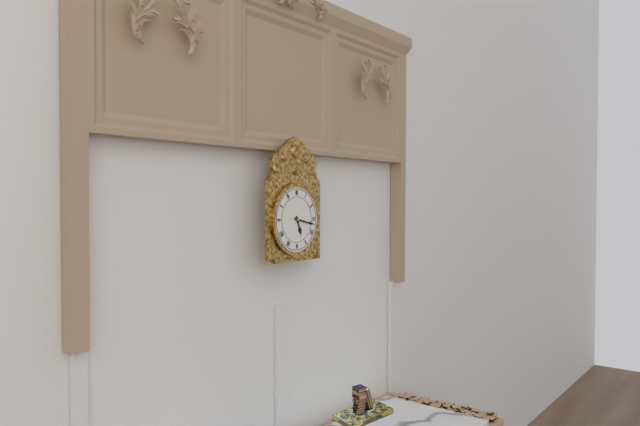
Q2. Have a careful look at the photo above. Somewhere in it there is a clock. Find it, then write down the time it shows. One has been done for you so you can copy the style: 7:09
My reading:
5:17
